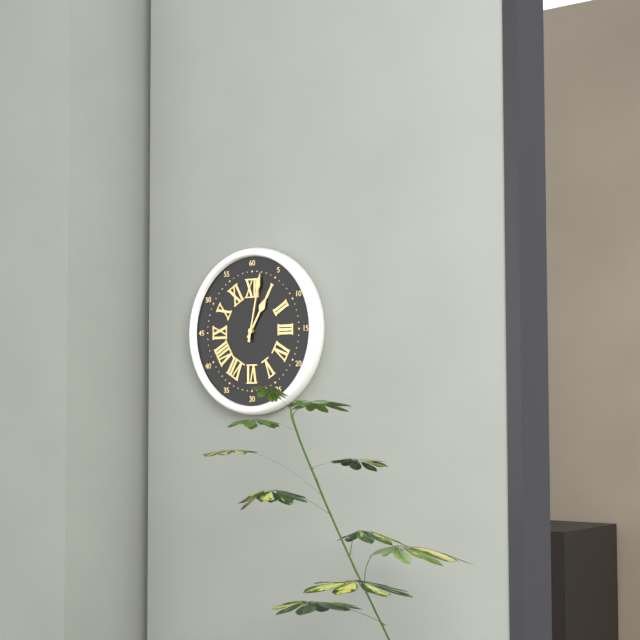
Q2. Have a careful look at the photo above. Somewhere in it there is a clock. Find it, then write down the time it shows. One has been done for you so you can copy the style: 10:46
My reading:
1:02
